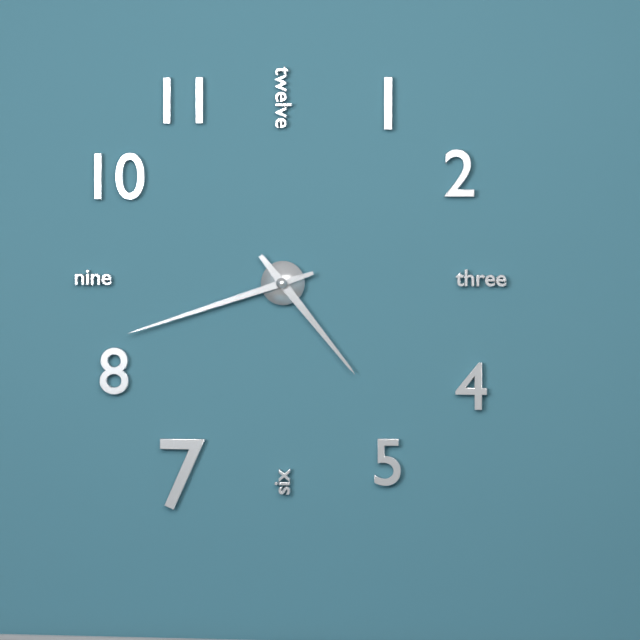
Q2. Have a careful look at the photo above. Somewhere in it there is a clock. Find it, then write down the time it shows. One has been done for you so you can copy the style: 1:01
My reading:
4:42
